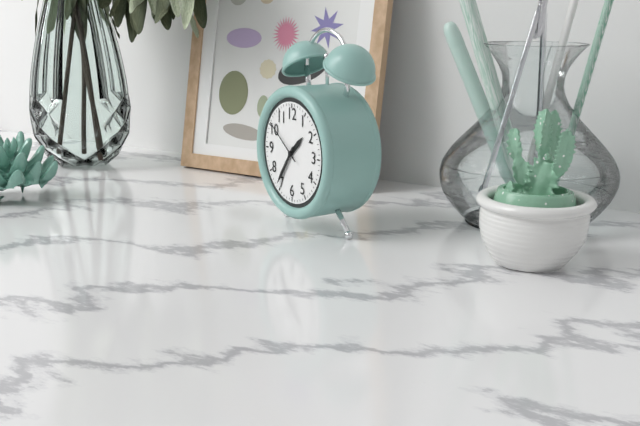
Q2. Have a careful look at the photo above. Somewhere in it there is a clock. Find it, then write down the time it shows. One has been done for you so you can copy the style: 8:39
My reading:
1:36
